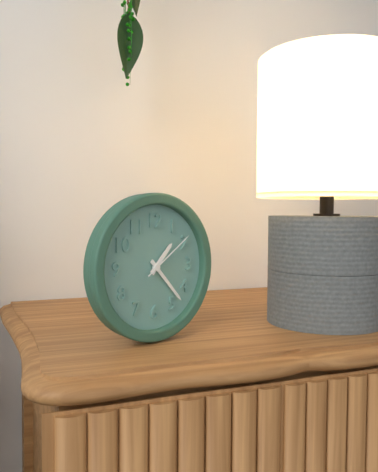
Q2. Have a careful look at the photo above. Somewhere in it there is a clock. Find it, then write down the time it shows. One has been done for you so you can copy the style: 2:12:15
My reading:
1:23:09
